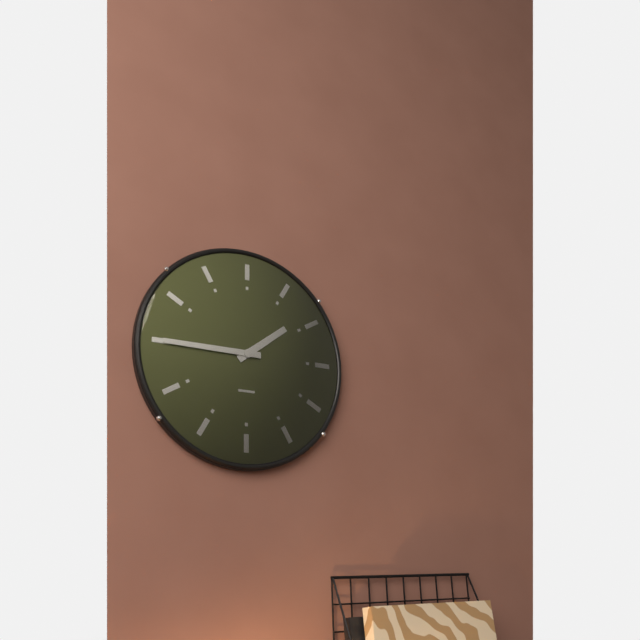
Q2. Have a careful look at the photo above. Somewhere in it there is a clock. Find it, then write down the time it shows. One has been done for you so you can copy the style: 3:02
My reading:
1:45
